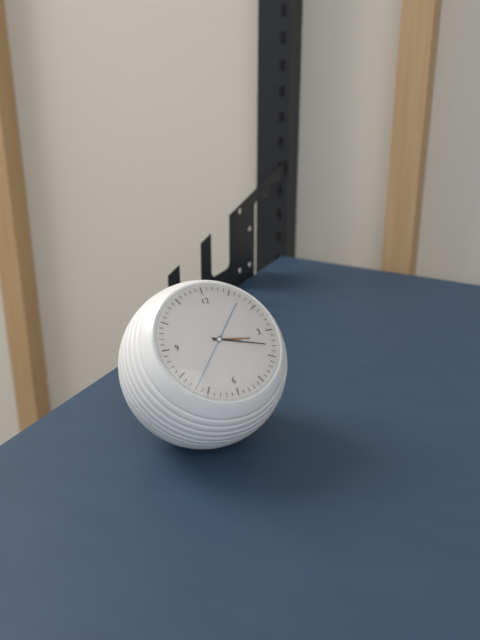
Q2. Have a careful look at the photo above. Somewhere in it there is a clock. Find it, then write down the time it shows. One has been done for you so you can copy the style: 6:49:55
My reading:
3:18:37
